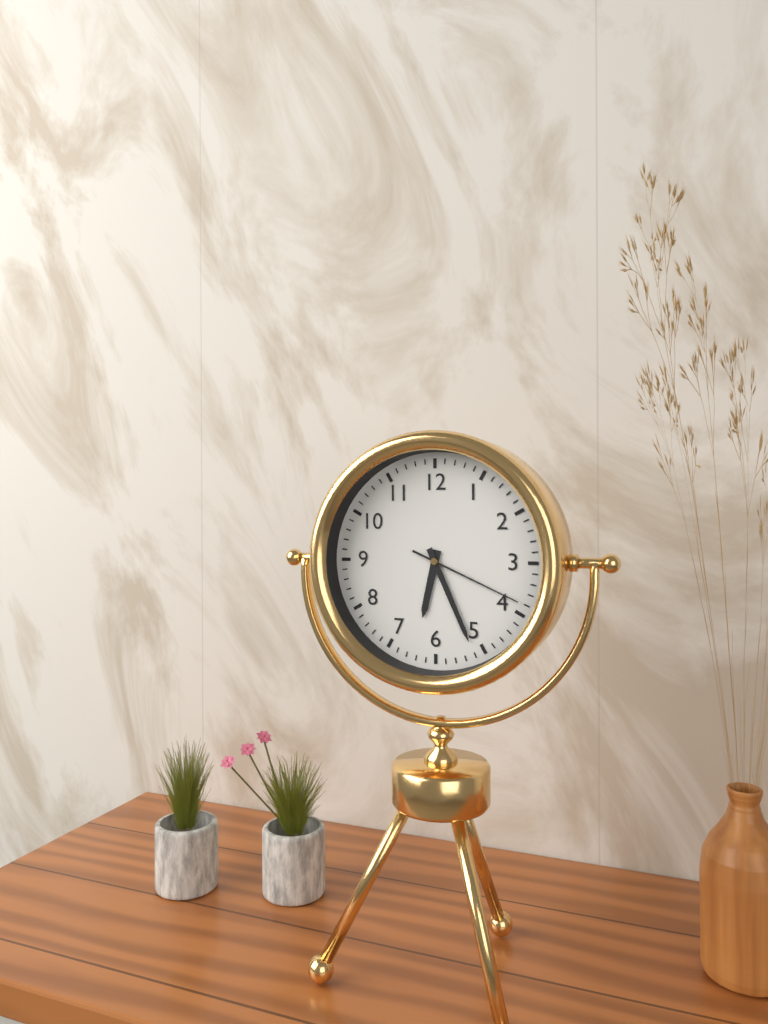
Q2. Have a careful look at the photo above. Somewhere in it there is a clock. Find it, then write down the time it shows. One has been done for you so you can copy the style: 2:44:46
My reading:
6:26:19
